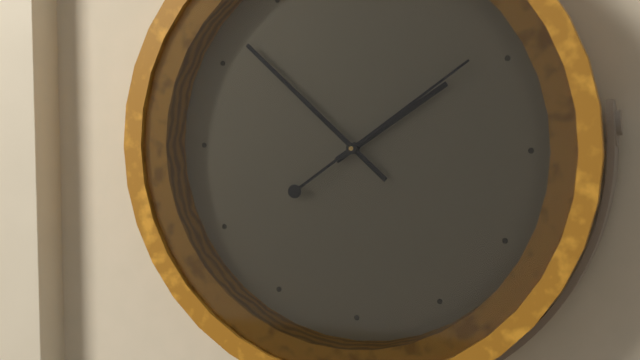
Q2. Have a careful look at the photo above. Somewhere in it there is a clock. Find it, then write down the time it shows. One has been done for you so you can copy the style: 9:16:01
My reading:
1:52:09
